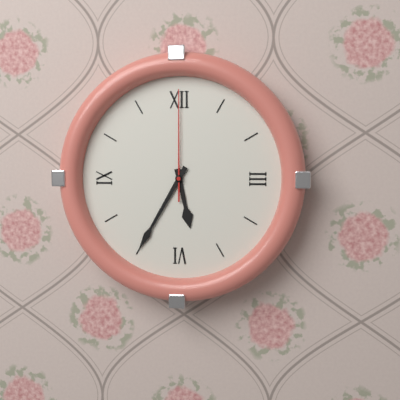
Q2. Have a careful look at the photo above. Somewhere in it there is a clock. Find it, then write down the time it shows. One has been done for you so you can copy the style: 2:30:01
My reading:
5:35:00
